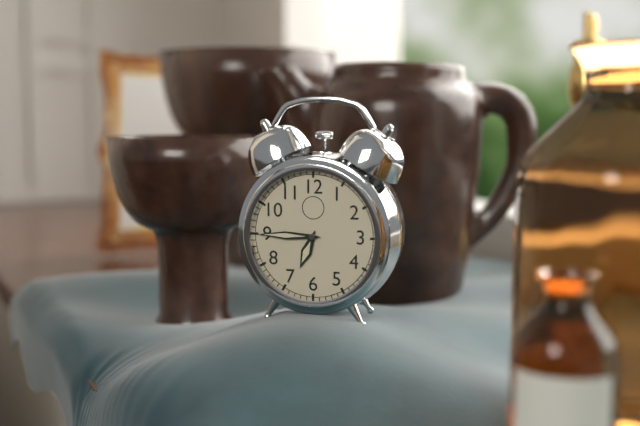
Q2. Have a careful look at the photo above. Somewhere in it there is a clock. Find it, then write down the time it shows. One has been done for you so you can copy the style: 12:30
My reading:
6:45
